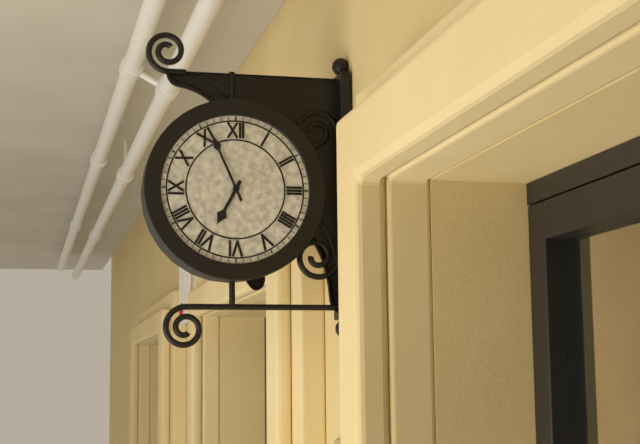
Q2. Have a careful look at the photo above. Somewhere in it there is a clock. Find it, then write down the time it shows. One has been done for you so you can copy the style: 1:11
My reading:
6:56
